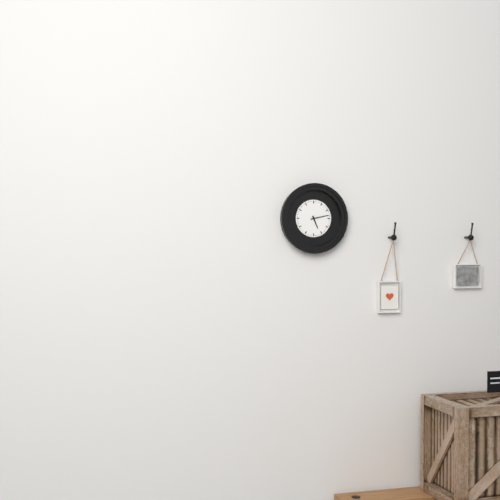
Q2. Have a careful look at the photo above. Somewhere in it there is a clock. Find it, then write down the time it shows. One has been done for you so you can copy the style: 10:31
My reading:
5:13
